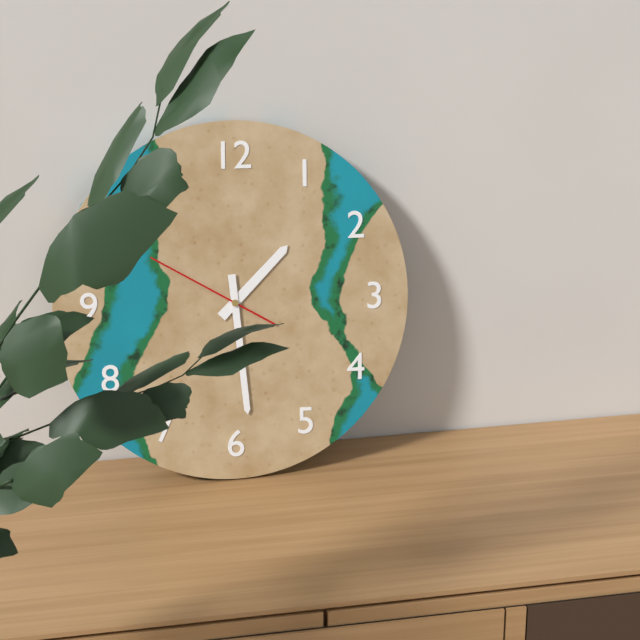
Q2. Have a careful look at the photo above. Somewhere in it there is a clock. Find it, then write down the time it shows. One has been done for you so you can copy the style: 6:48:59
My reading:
1:29:50
